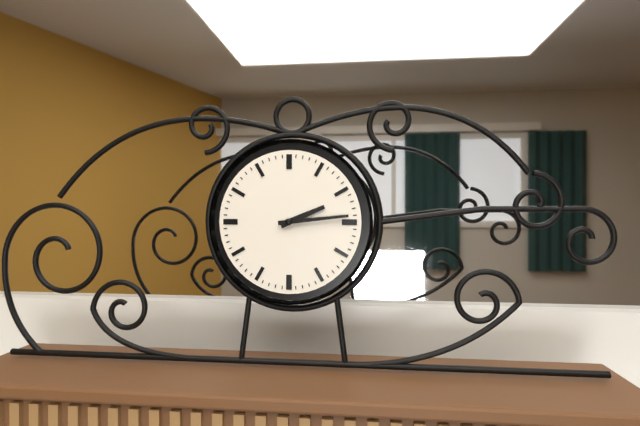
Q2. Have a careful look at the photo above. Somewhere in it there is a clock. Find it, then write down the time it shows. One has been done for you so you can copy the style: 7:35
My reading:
2:14
